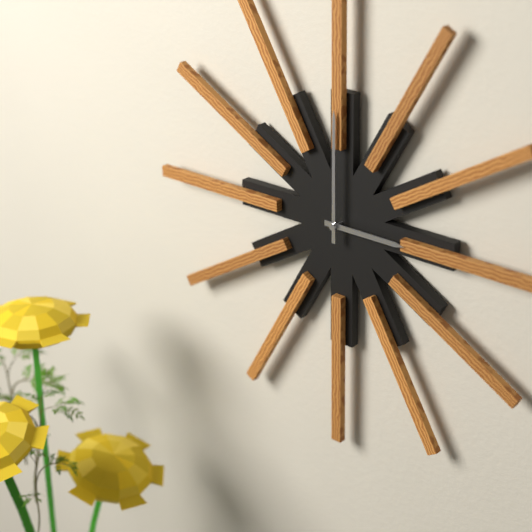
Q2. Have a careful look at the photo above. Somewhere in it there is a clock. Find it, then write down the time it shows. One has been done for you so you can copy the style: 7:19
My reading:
3:00
